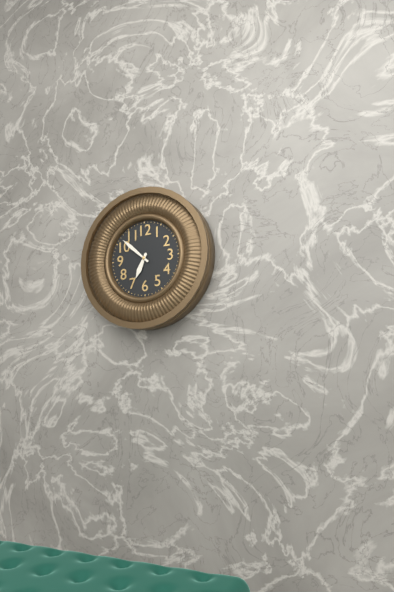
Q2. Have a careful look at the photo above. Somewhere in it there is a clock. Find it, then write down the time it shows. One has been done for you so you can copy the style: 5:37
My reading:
6:52
